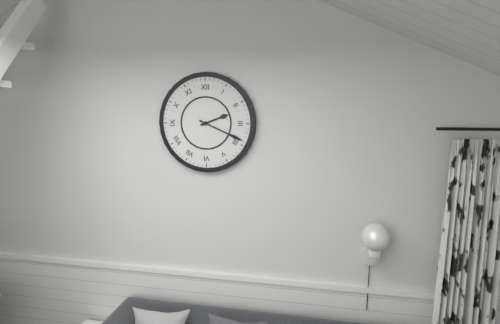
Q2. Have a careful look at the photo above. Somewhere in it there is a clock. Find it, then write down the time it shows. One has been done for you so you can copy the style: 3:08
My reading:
2:19
